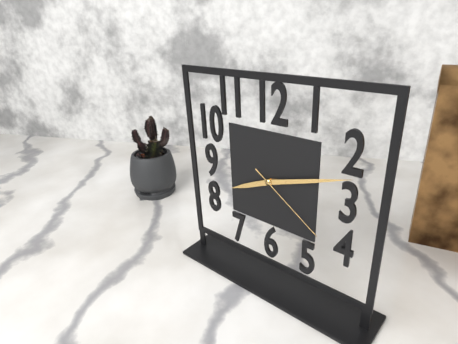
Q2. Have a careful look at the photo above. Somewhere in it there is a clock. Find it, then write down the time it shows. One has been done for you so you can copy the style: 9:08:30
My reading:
8:12:21
